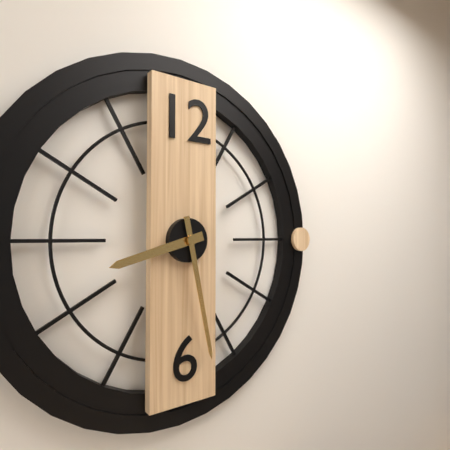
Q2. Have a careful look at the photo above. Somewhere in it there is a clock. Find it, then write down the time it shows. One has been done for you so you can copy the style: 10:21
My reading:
8:28
